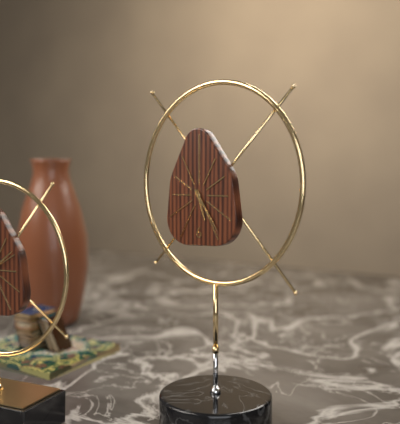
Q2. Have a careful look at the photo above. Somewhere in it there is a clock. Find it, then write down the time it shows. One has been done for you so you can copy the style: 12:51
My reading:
5:24
